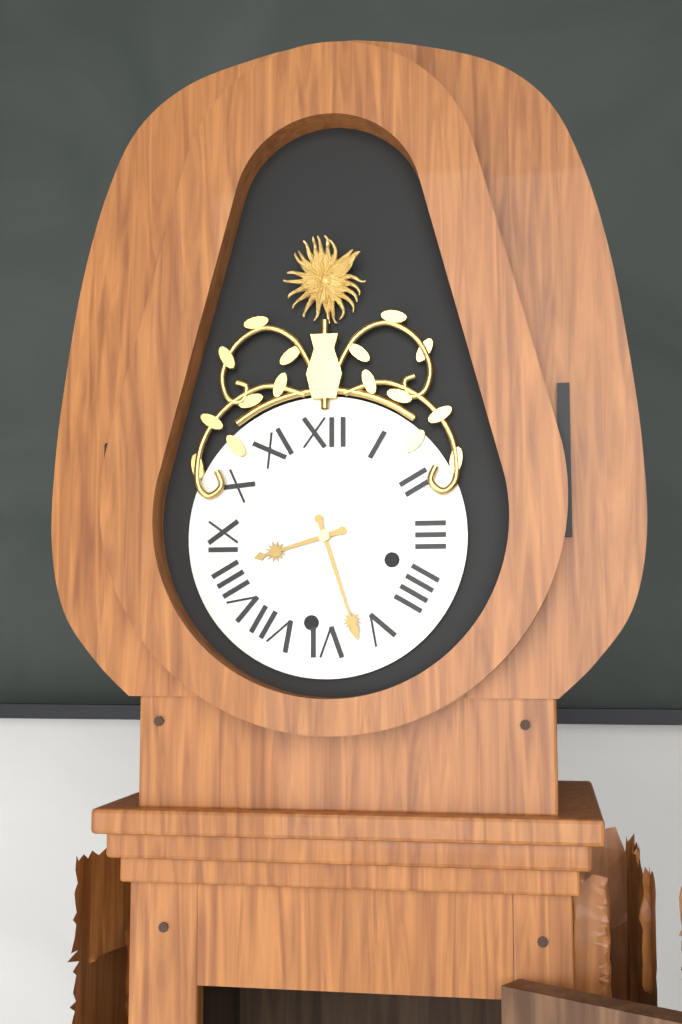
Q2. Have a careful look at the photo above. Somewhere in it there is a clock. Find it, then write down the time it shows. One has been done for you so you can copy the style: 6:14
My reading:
8:27
